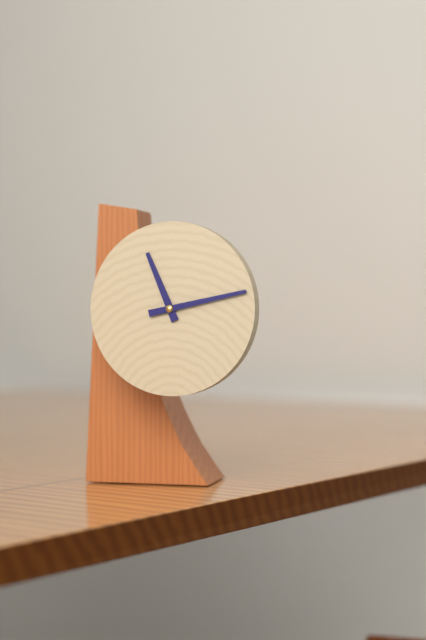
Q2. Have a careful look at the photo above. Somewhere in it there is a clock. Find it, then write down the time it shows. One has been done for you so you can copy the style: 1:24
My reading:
11:13
